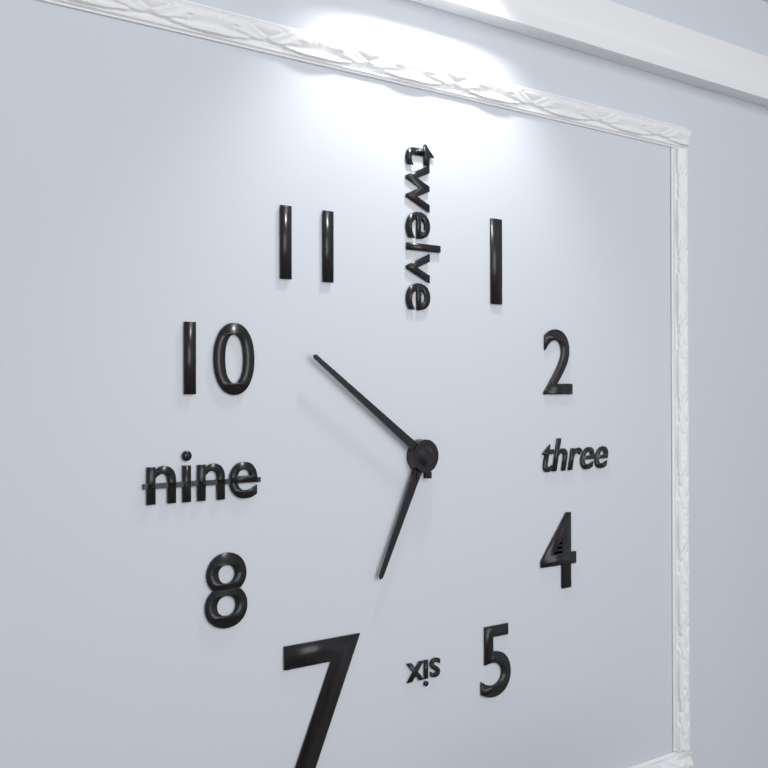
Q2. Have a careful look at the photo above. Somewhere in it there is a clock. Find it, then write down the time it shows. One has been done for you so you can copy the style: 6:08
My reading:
6:51
